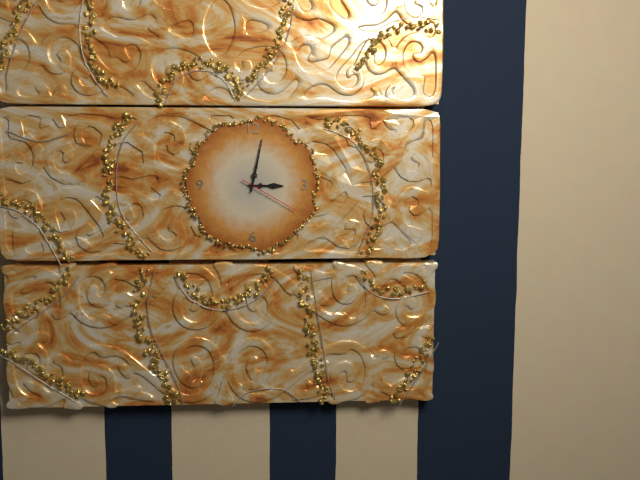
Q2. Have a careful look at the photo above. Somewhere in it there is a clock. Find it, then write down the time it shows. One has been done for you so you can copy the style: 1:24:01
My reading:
3:02:20
